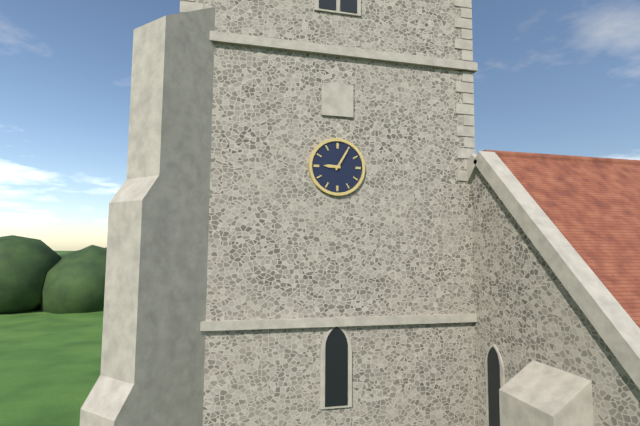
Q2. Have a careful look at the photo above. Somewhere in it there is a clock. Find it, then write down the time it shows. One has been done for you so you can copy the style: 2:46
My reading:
9:05
